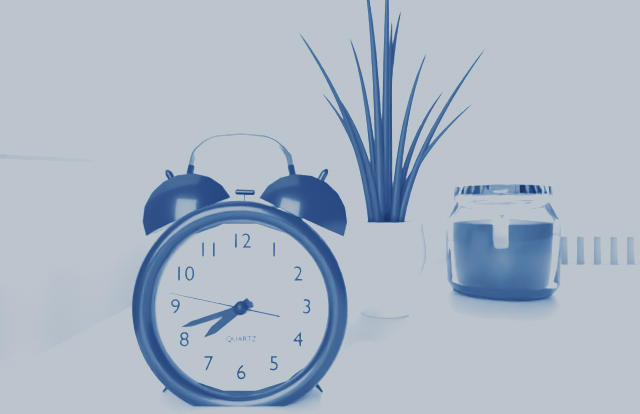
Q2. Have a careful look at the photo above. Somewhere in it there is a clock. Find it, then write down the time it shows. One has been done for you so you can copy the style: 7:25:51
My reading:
7:42:47
